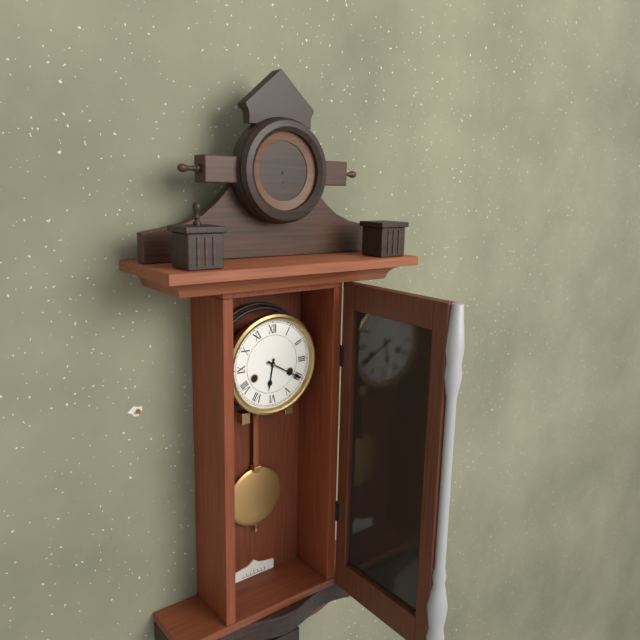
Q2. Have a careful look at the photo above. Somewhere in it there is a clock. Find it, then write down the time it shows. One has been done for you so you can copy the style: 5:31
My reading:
6:20
